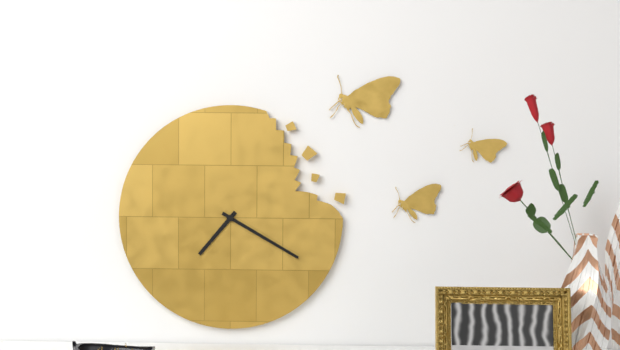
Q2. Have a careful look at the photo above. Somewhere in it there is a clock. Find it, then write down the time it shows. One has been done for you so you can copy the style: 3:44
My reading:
7:20
